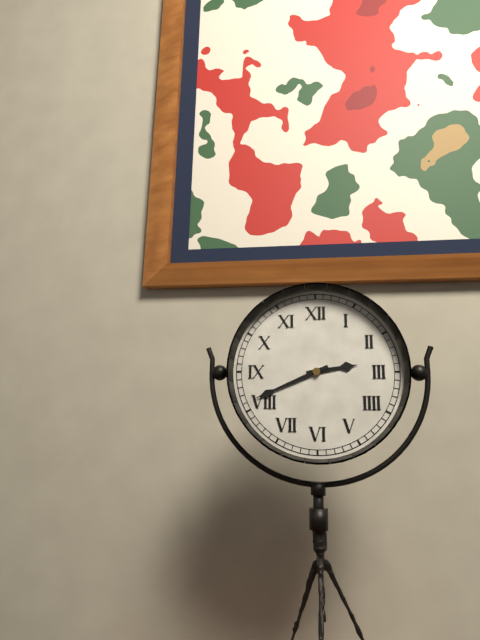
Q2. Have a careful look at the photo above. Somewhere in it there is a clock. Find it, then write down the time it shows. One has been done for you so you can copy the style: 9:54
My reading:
2:41
